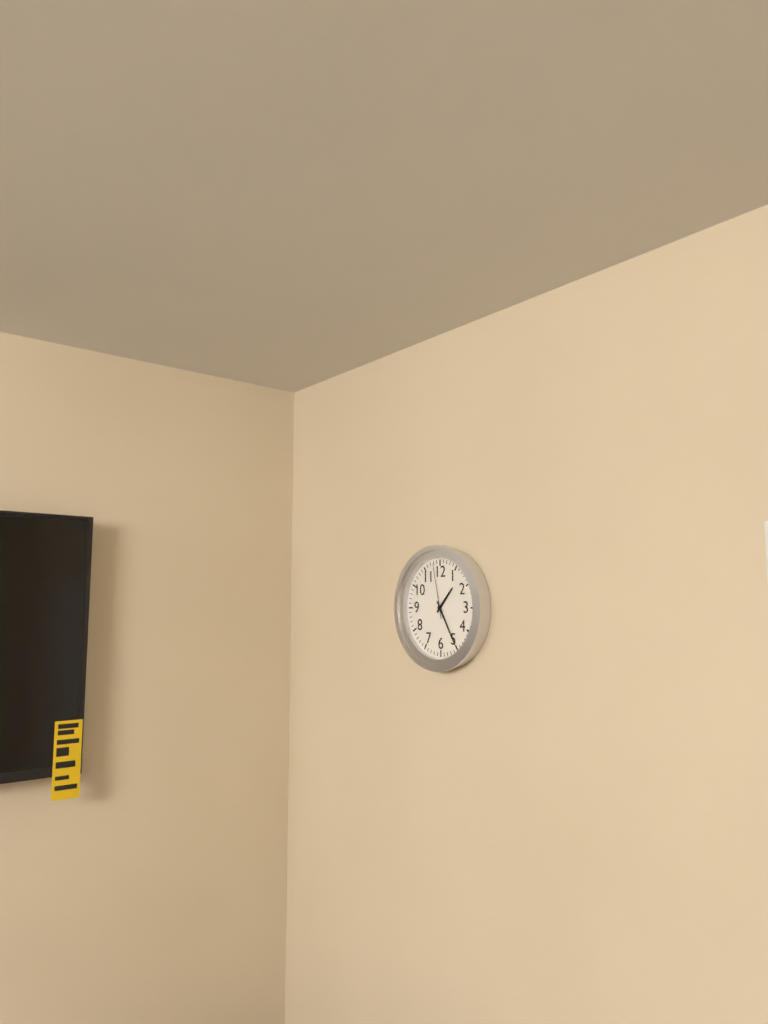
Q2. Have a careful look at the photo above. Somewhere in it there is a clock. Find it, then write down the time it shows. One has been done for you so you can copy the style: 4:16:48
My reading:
1:25:58
